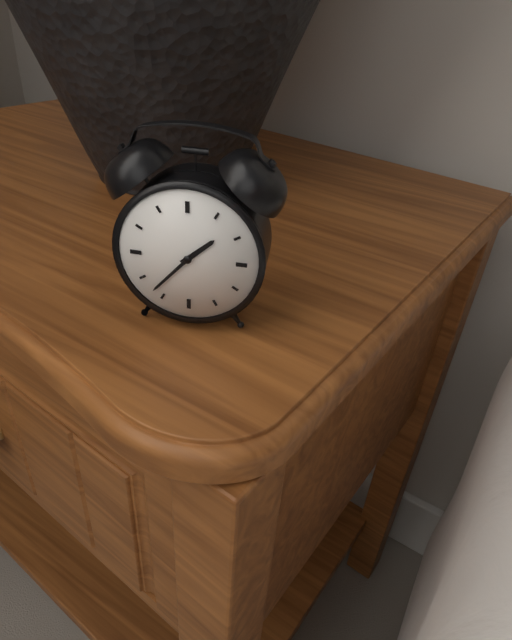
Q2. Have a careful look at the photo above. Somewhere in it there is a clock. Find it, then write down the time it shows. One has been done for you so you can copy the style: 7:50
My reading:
1:37
